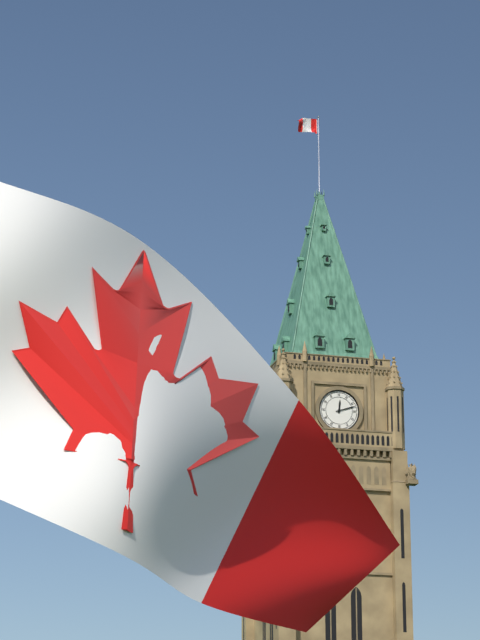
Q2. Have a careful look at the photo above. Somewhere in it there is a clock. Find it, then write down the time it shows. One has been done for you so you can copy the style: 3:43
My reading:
12:12
